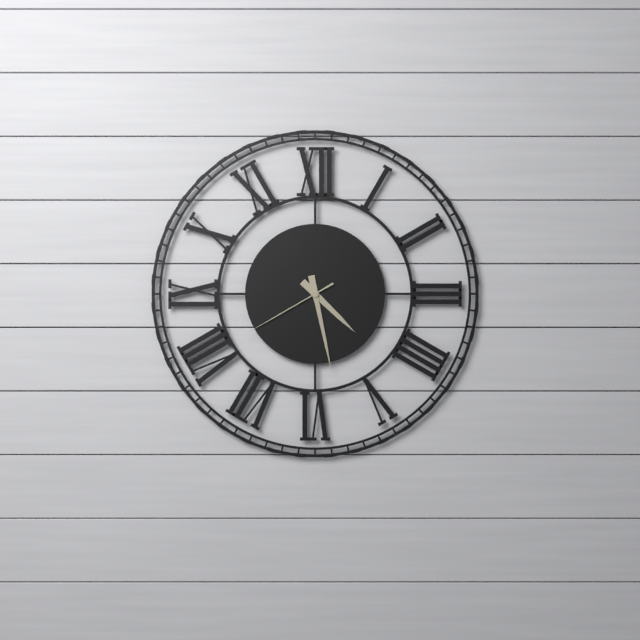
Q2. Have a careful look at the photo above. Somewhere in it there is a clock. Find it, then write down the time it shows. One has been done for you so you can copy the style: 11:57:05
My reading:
4:28:40
